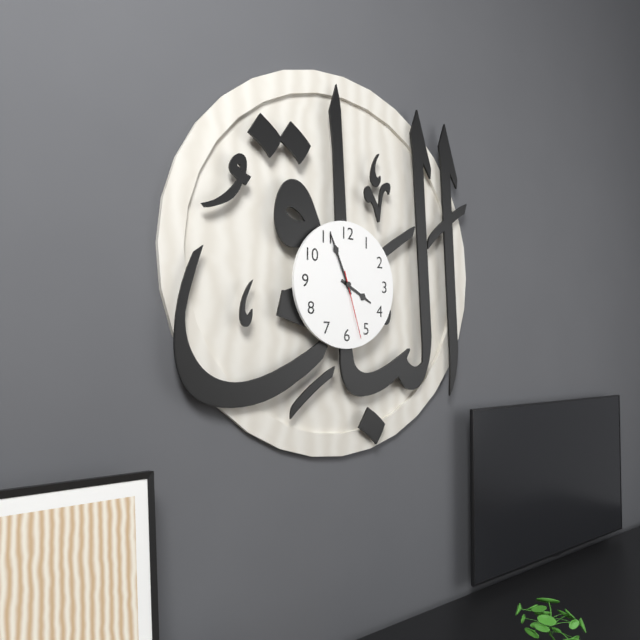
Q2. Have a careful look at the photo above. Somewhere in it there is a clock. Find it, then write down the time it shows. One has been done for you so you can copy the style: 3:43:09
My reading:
3:56:27
